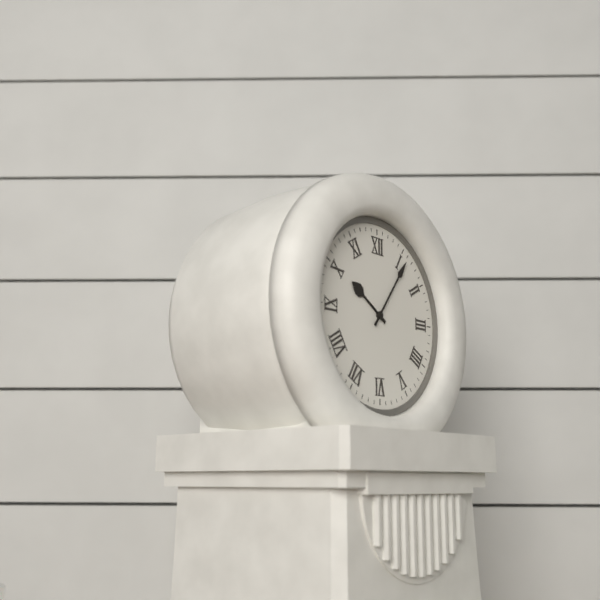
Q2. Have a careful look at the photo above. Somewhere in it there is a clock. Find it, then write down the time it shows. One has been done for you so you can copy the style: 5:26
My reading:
10:06
